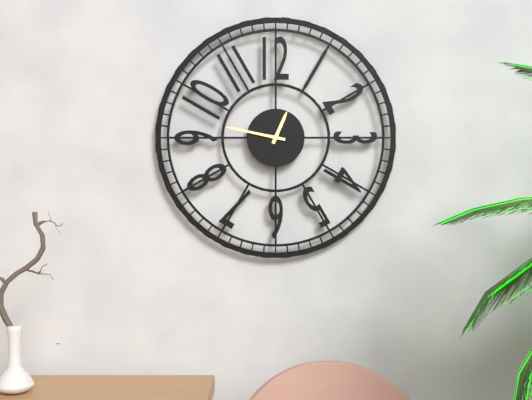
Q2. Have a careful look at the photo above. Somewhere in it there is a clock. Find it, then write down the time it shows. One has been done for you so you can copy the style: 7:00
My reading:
12:47
